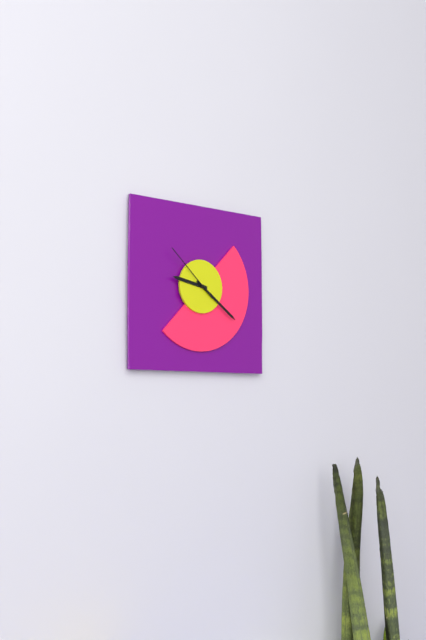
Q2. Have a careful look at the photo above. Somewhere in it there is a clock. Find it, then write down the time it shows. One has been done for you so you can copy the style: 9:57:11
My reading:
9:21:52
